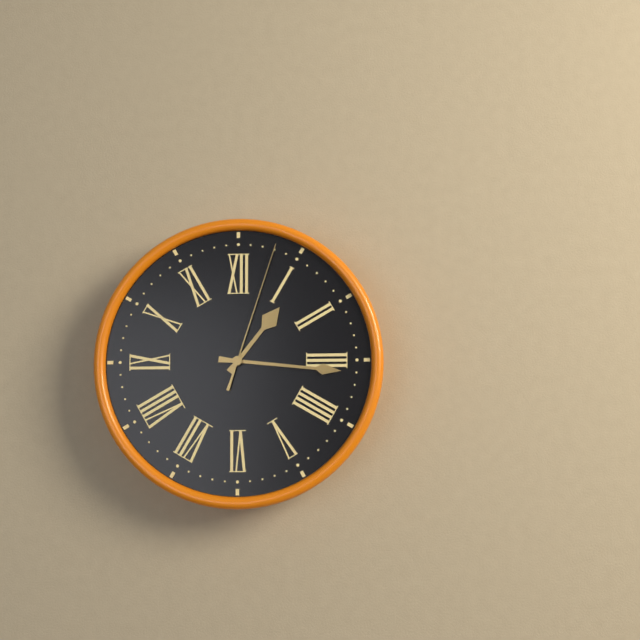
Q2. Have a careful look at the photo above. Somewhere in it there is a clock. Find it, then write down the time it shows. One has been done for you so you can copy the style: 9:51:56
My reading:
1:16:03
